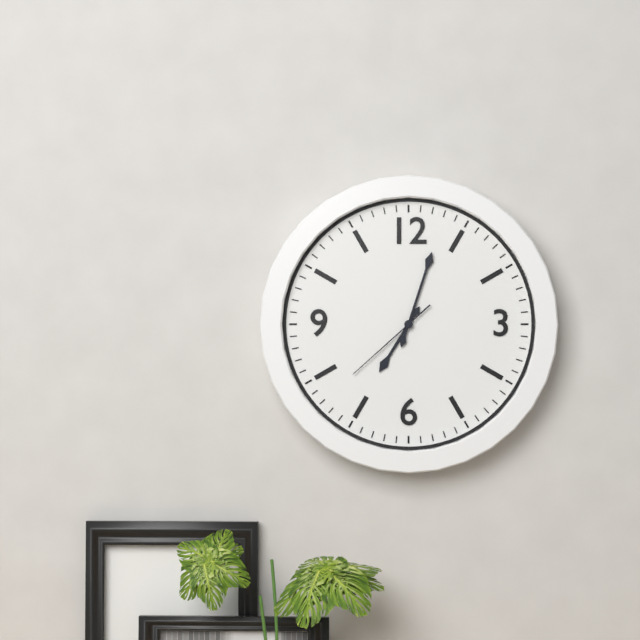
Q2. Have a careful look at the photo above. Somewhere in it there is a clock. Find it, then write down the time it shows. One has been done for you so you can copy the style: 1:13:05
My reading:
7:03:38
